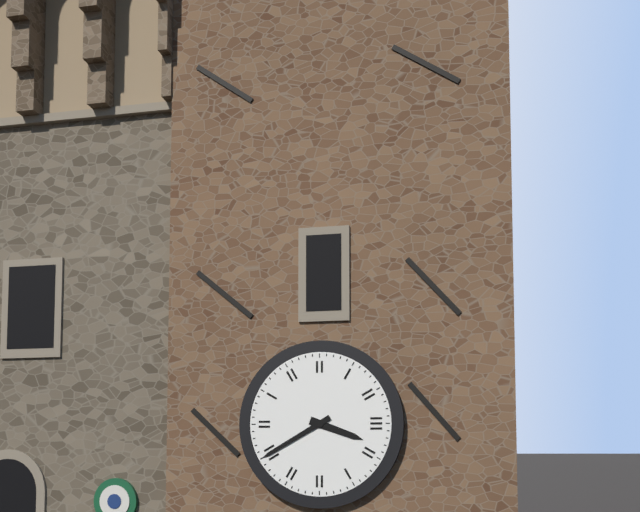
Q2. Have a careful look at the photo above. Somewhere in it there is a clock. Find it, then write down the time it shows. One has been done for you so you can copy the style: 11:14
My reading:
3:40
